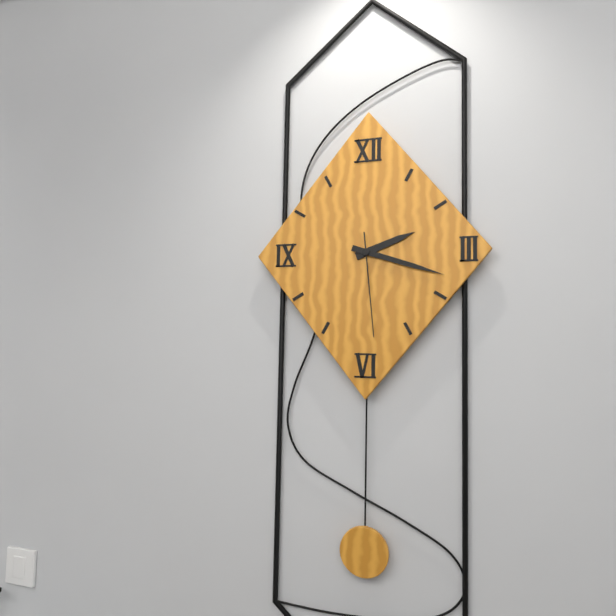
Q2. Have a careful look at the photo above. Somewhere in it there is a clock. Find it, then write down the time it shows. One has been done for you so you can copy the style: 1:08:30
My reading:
2:18:29
